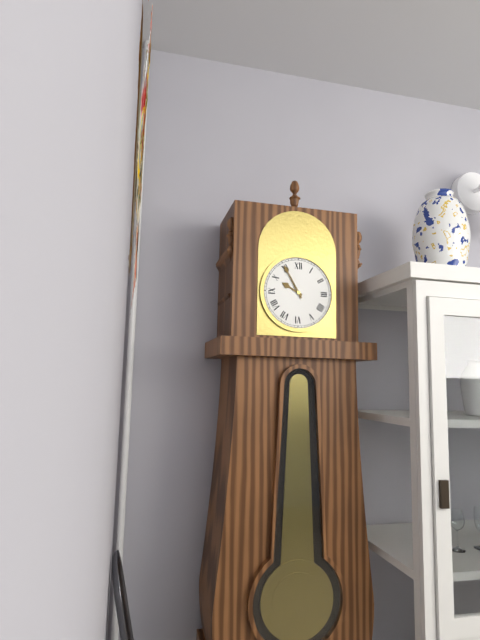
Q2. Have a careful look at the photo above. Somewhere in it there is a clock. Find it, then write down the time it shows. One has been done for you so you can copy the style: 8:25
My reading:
9:55
